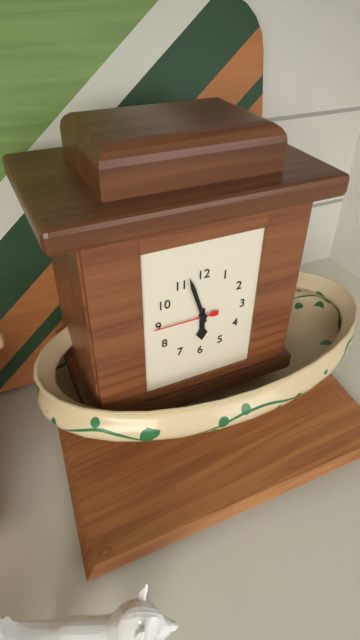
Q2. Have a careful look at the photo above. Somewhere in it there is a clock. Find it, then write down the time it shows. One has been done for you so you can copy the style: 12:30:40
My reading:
5:57:45
